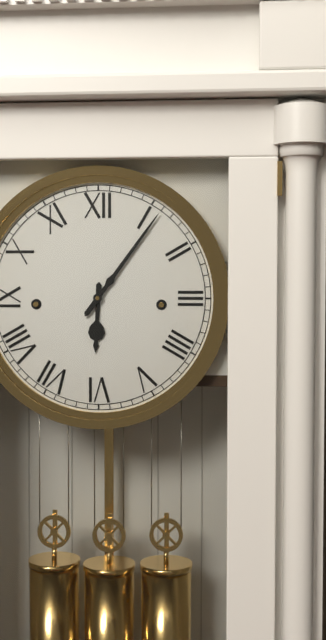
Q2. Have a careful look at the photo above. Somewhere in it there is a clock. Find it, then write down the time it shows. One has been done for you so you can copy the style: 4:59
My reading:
6:06
